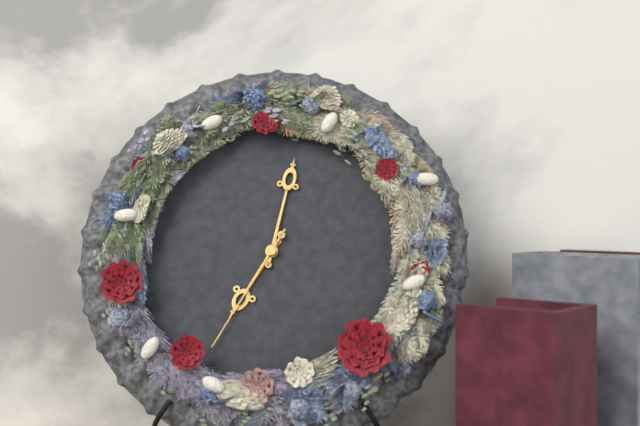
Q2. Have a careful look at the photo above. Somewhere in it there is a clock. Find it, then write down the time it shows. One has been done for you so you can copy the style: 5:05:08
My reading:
7:02:35
